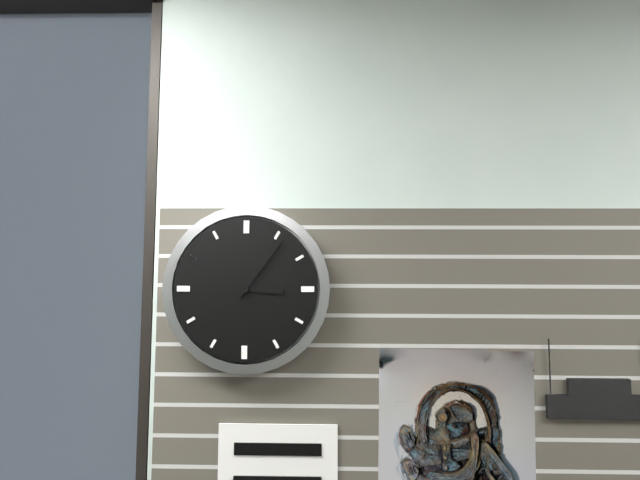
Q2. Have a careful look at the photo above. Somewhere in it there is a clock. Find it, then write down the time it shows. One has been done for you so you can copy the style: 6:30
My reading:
3:06
